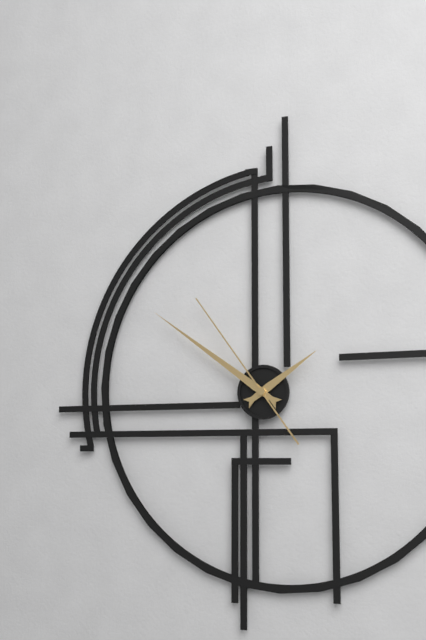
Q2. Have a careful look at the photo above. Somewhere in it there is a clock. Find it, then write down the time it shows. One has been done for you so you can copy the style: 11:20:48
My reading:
1:51:54
